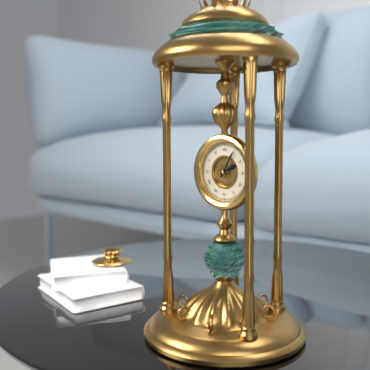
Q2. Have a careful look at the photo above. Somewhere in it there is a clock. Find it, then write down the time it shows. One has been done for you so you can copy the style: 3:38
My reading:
2:05
